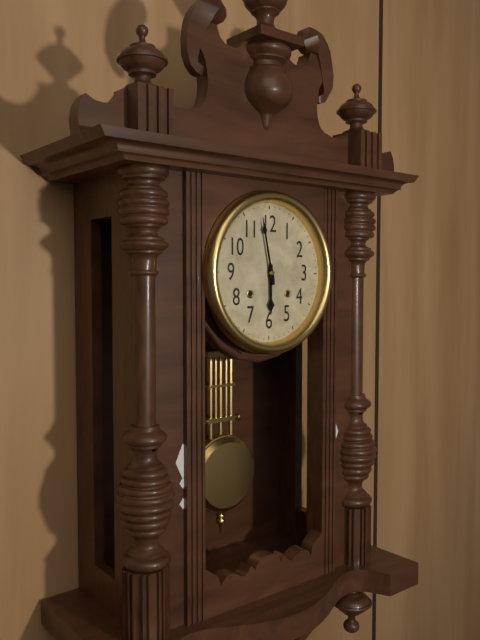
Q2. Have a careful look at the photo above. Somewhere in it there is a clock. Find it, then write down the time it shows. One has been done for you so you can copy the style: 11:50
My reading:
5:58
